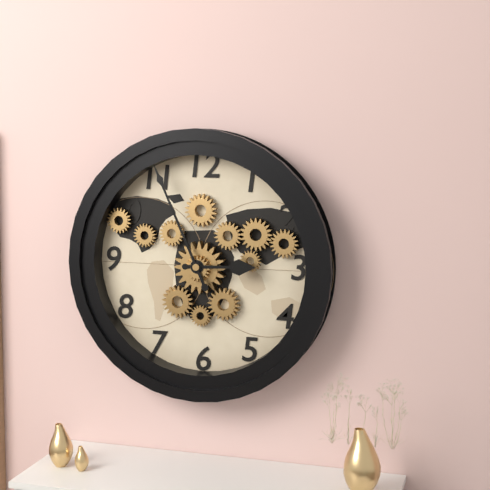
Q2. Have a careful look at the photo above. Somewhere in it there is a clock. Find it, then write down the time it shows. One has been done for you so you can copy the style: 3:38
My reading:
2:56
